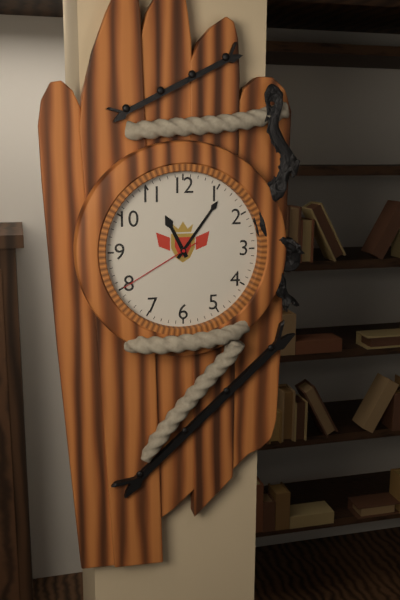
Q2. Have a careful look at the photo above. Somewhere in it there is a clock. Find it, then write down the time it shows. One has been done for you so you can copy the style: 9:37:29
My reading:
11:06:40
